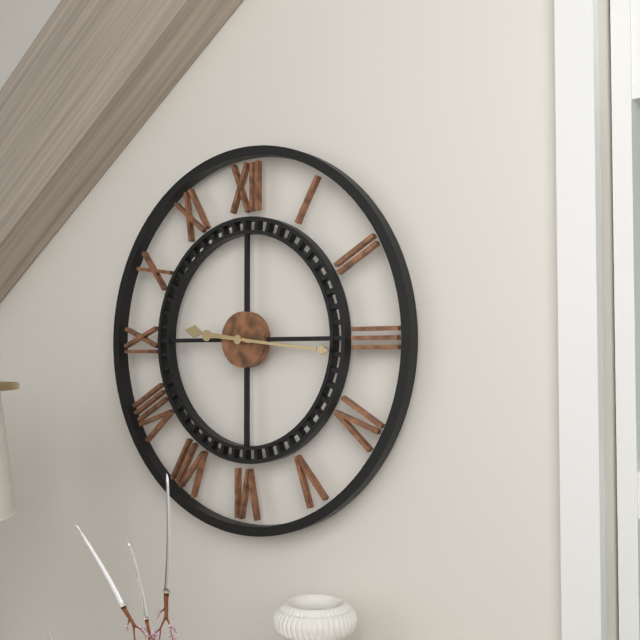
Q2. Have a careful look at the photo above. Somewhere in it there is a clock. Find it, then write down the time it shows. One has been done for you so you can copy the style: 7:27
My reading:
9:16
